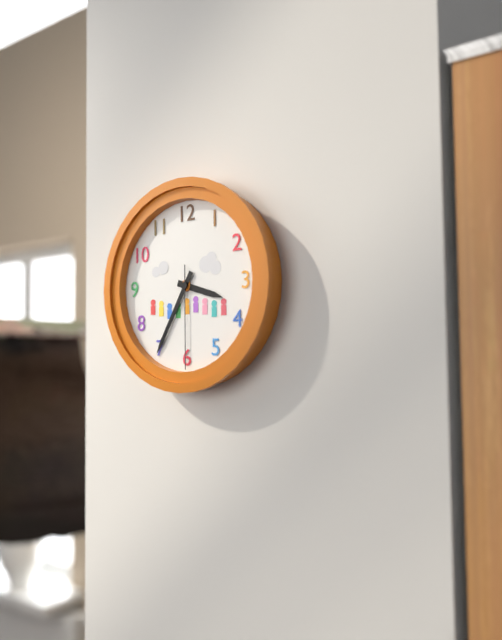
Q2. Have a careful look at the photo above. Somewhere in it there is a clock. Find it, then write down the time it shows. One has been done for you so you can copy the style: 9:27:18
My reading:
3:35:30
